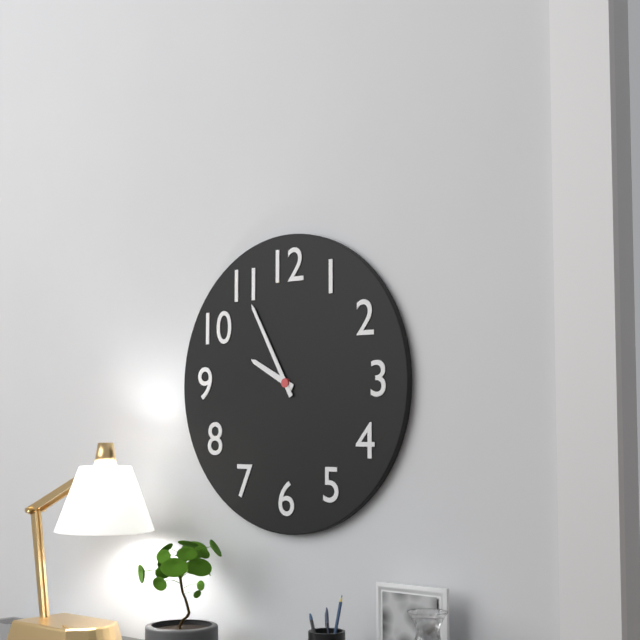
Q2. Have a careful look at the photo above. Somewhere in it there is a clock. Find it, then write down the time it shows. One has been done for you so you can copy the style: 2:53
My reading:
9:55
